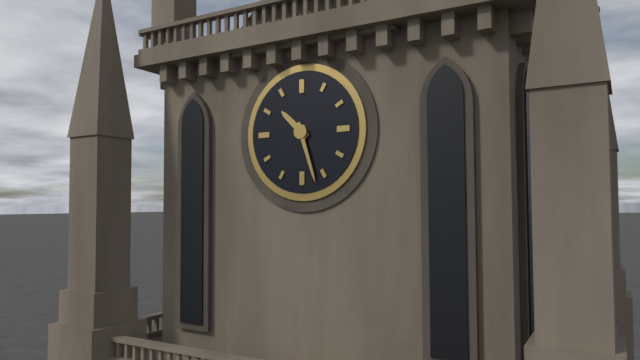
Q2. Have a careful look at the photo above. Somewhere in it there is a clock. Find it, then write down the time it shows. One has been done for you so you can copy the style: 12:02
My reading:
10:27
